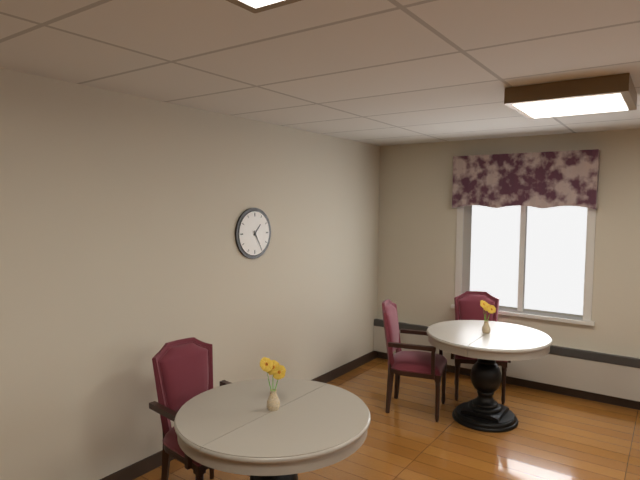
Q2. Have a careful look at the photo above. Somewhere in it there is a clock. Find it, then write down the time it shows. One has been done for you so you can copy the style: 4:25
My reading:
1:25
